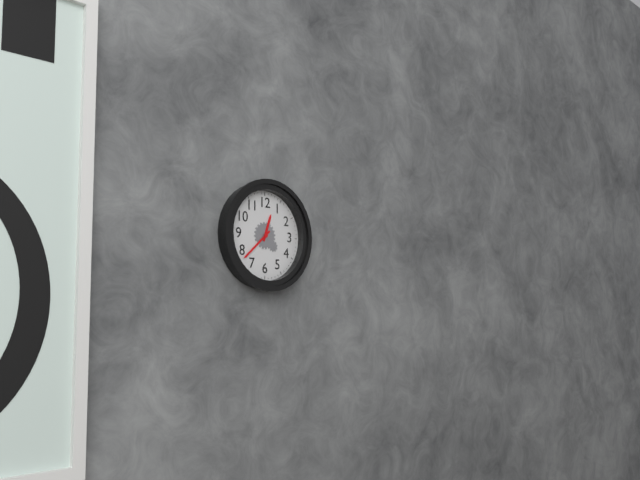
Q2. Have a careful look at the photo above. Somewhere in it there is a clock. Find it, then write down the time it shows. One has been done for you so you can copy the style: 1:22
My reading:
12:38
